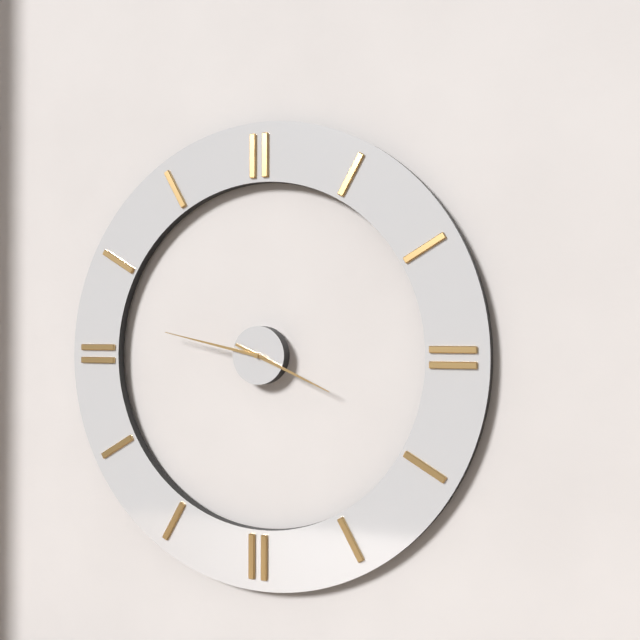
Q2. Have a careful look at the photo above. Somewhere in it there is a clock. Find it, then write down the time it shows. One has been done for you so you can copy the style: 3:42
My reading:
3:47
